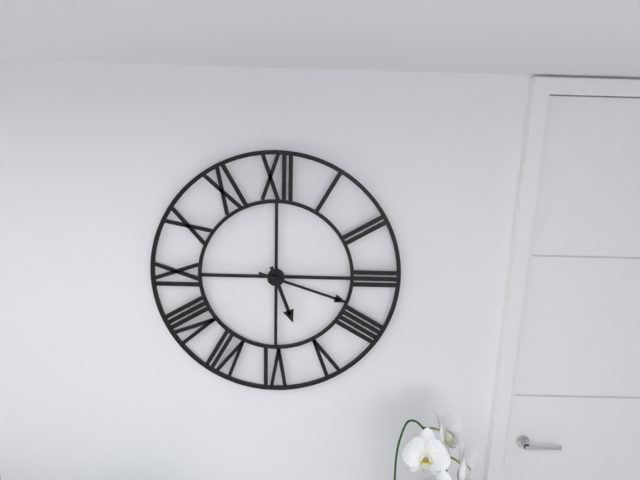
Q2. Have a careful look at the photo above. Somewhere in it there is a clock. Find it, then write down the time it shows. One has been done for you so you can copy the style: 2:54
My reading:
5:18
